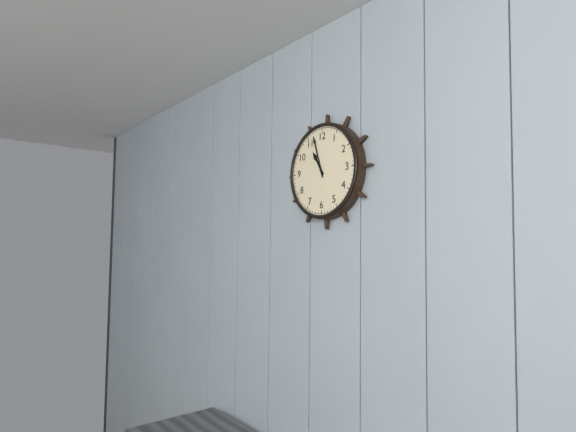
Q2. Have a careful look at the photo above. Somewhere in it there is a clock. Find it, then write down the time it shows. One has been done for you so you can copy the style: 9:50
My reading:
10:57
